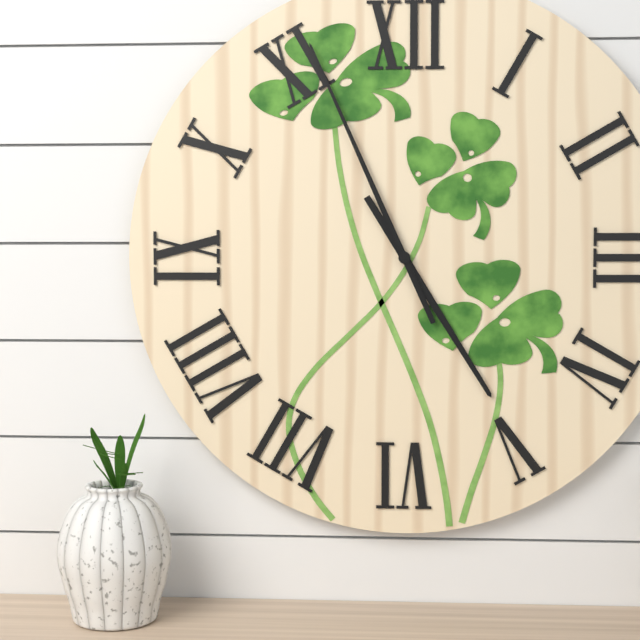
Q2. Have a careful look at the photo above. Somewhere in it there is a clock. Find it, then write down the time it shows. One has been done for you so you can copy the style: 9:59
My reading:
4:56
